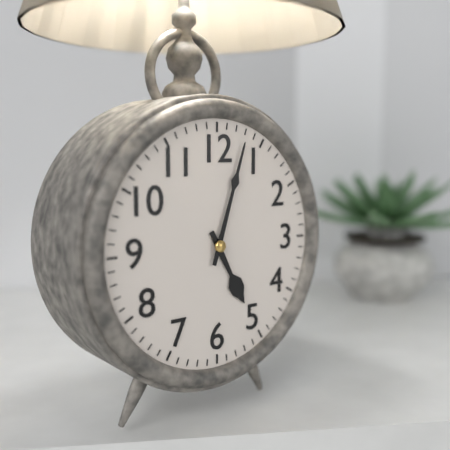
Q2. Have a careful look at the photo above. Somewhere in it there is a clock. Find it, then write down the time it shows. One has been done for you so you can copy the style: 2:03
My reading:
5:03
